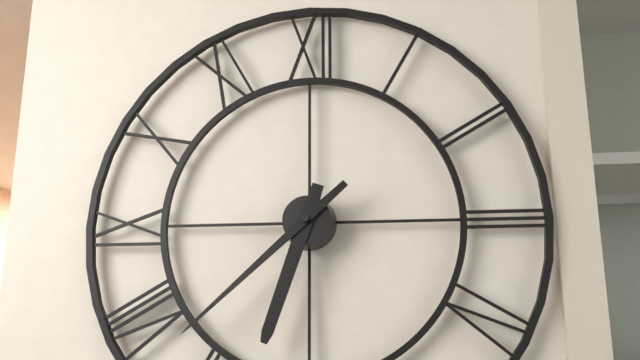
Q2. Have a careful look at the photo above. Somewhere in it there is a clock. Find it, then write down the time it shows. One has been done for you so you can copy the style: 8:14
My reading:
6:38
